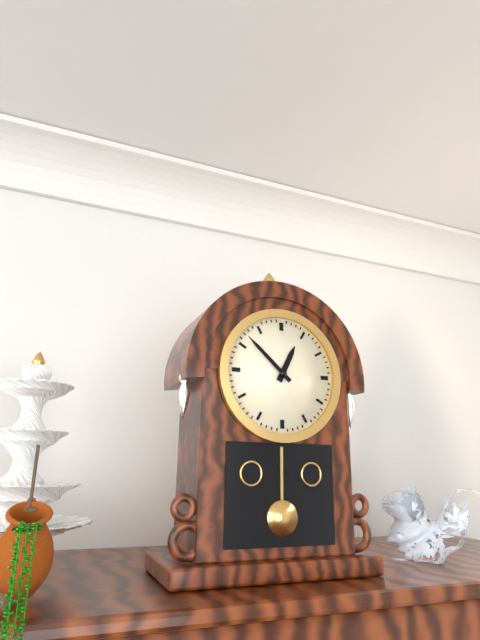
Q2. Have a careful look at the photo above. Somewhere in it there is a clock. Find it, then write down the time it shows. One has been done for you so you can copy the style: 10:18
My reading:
12:52
